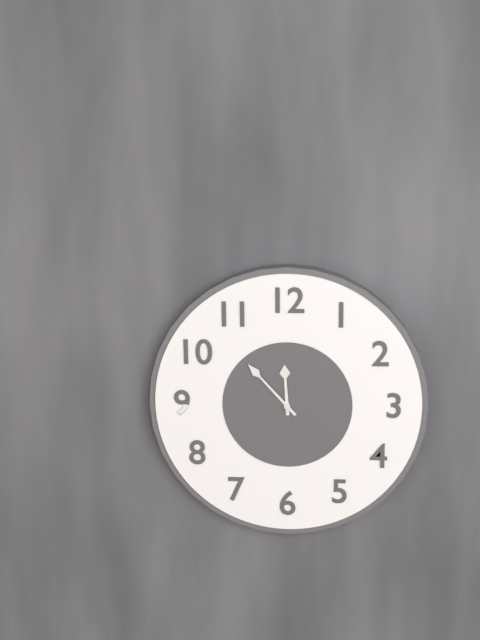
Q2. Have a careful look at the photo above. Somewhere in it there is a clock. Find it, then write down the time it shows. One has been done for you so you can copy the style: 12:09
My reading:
11:53
